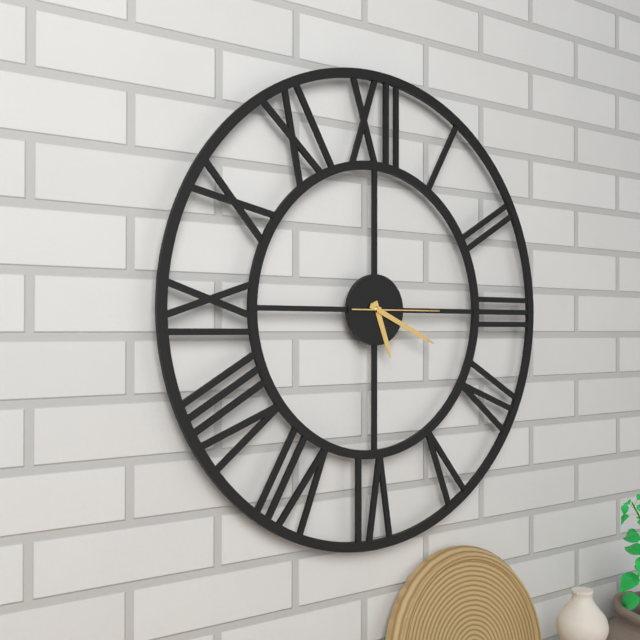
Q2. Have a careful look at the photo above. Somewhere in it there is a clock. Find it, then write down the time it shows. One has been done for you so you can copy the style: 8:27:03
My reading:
5:19:15
